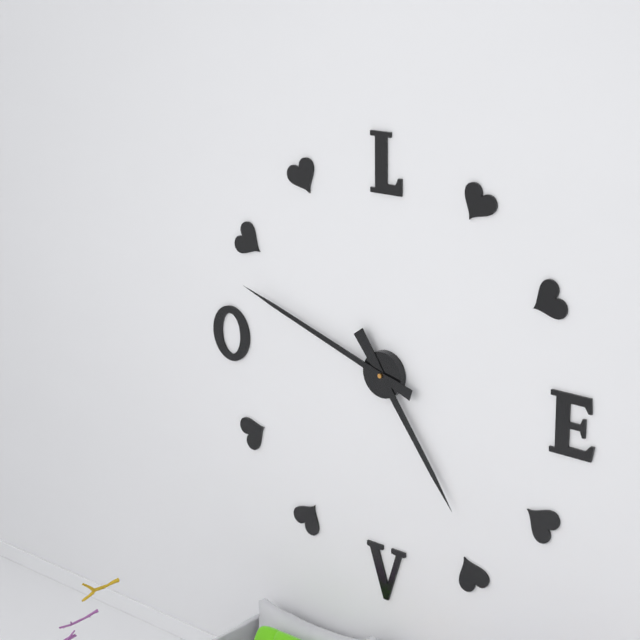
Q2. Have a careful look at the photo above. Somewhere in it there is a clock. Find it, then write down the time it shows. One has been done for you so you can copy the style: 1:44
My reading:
4:48
